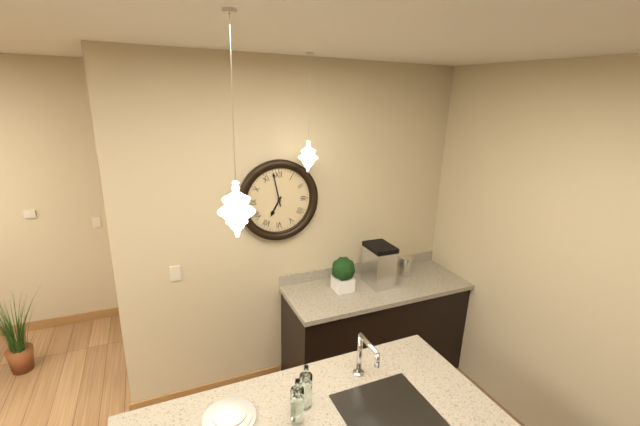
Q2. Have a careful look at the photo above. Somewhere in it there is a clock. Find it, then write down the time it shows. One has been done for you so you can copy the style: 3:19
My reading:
6:58
